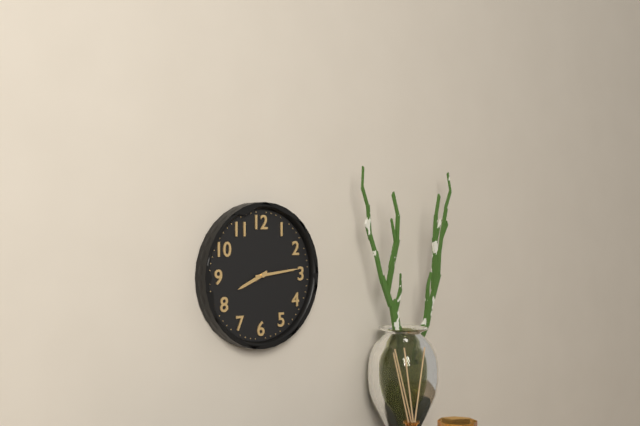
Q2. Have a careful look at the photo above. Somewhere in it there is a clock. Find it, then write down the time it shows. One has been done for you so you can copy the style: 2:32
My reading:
8:14
